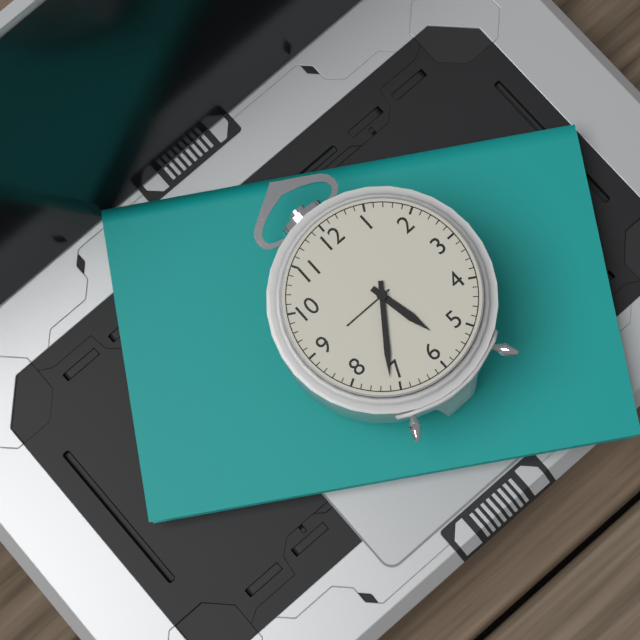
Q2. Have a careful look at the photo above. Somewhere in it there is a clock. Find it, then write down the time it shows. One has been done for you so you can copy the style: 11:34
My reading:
5:36
